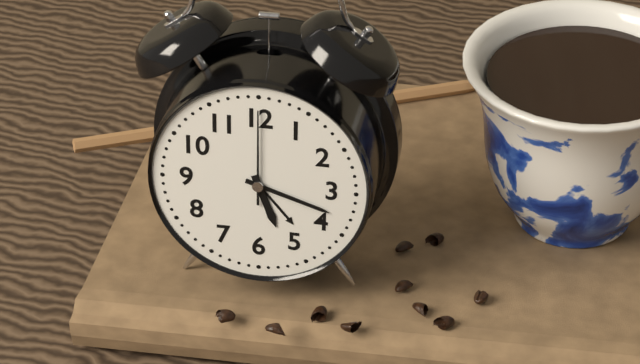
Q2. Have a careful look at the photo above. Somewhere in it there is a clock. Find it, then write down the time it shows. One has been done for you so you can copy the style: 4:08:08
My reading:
5:18:00
